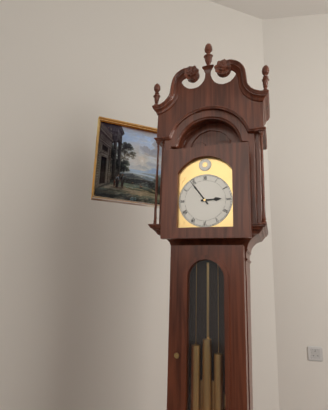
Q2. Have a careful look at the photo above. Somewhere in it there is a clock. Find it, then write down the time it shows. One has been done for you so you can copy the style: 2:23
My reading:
2:54
